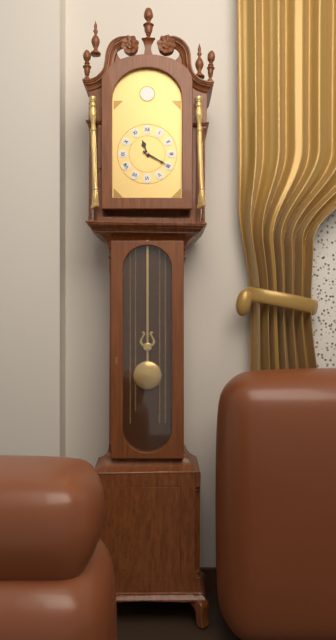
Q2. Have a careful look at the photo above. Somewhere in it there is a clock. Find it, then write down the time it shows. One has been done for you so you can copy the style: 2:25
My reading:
11:20
